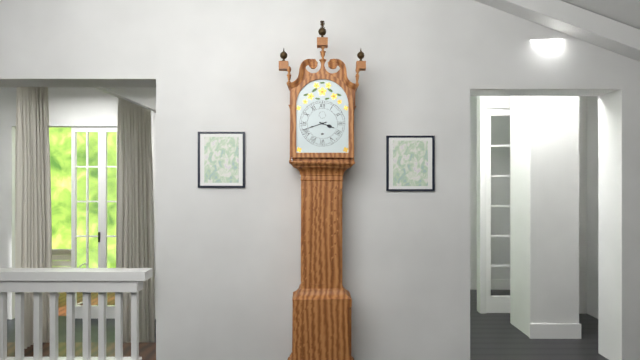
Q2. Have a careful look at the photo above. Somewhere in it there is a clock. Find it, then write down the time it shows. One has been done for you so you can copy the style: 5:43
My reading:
3:42
